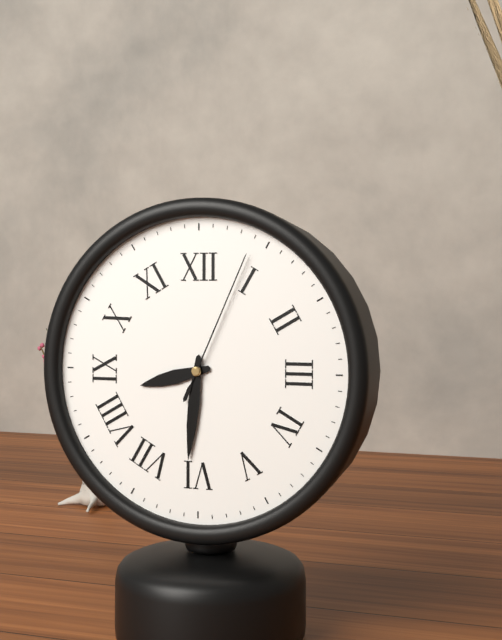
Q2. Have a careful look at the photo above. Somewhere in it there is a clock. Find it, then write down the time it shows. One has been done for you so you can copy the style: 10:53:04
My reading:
8:31:04
